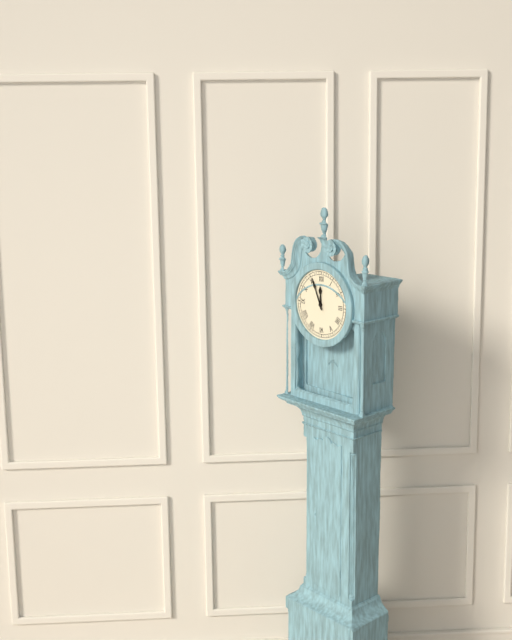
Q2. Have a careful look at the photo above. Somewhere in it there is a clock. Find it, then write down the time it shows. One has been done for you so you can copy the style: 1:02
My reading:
11:56
